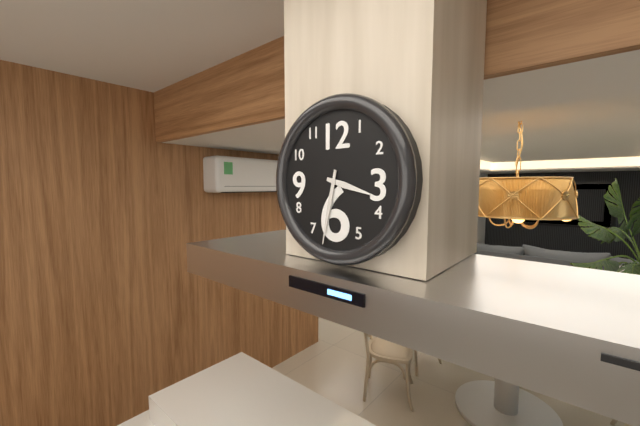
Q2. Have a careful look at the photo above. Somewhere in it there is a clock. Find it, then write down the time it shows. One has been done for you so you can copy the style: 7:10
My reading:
3:32
